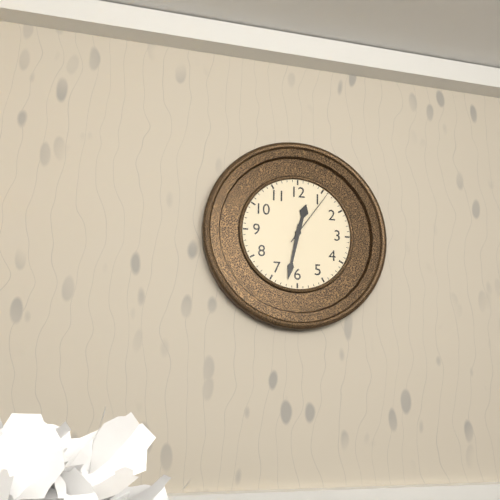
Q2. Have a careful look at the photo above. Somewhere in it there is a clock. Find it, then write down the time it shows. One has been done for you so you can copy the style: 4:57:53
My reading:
12:32:06
